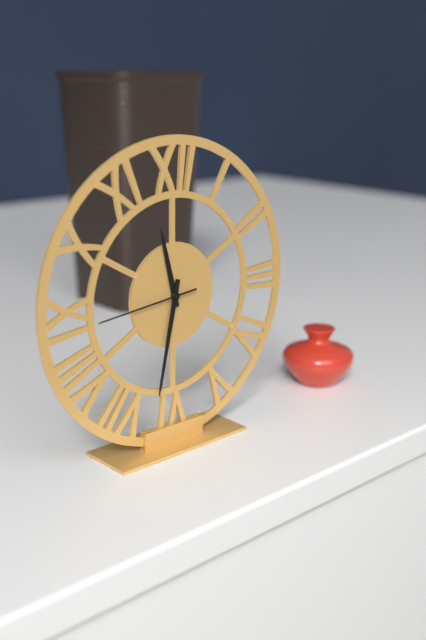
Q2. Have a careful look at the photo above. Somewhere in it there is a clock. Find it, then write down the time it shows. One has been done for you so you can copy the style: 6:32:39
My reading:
11:32:44
